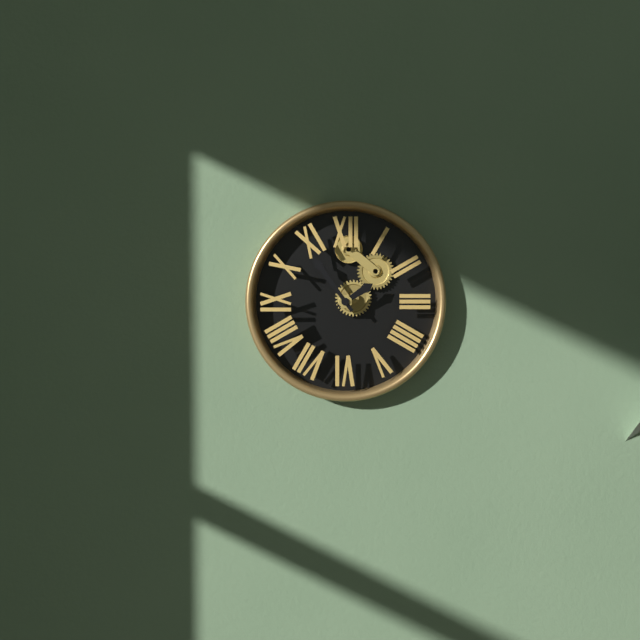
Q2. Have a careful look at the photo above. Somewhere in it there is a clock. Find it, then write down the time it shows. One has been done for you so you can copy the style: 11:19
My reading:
1:54
